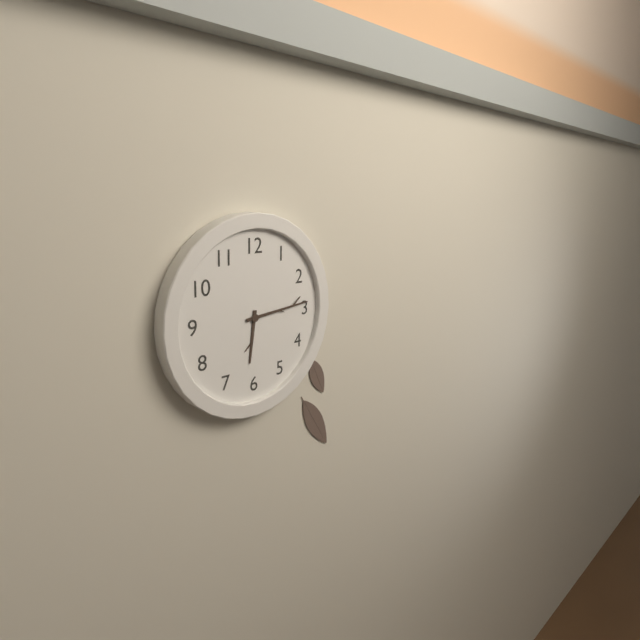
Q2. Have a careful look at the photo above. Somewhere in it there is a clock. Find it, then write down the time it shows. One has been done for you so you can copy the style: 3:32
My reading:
6:14
